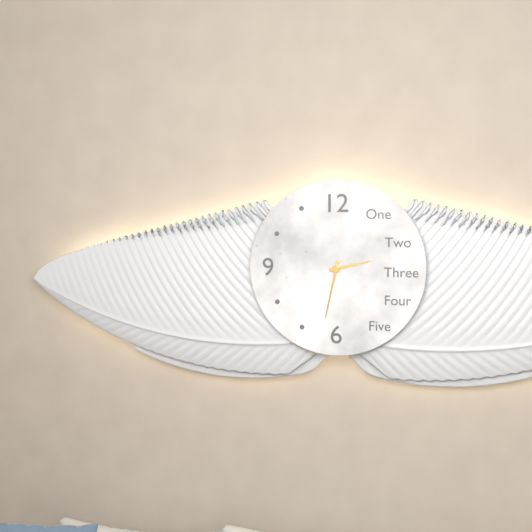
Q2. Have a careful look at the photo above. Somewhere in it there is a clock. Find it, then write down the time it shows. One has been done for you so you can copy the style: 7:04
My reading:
2:32
